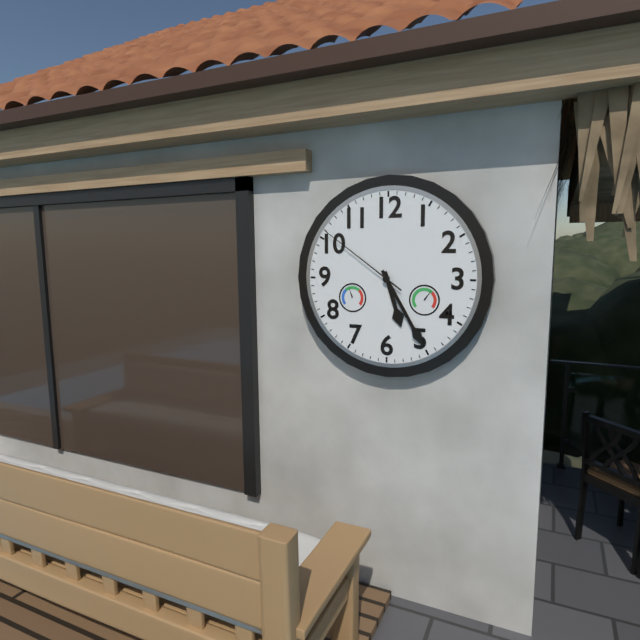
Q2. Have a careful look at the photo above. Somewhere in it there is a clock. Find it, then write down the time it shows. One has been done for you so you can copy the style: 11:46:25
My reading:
5:25:51
